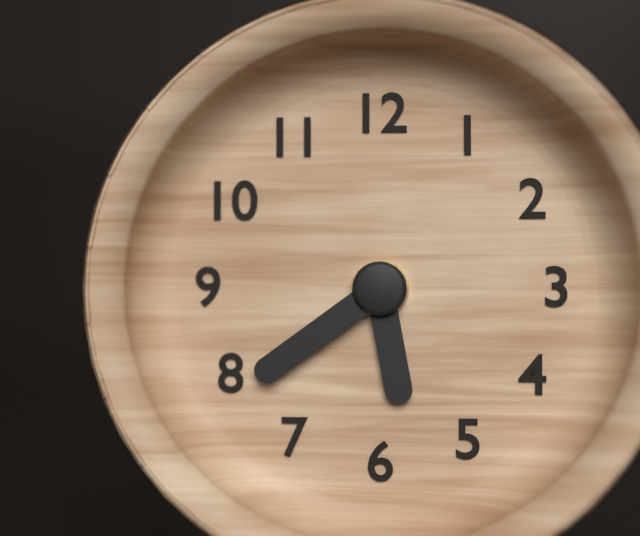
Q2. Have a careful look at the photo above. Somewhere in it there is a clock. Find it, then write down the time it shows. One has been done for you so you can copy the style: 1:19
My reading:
5:39
